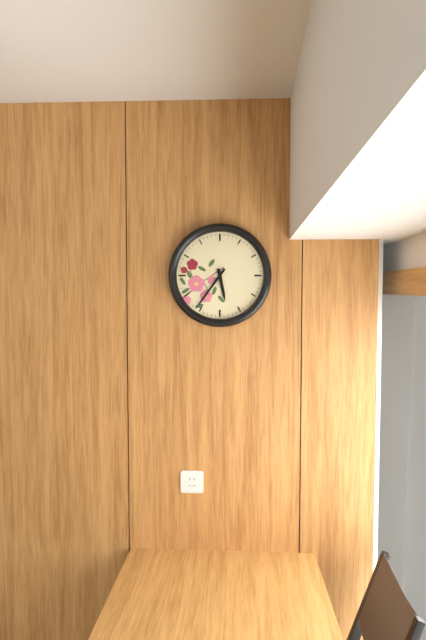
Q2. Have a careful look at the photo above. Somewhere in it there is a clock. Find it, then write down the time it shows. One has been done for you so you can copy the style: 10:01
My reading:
5:36
